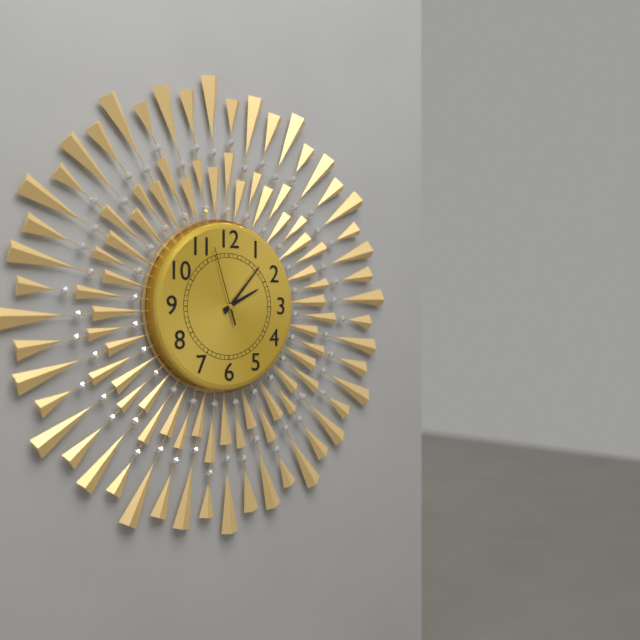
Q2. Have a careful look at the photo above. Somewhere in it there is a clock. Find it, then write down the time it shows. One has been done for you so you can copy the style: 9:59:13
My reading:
2:07:57
